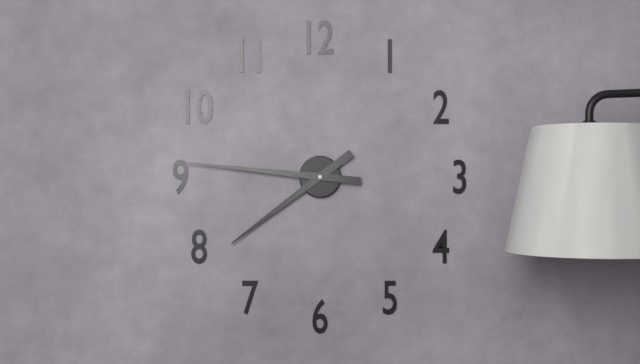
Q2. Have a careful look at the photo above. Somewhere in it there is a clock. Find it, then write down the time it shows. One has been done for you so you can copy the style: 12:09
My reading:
7:46
